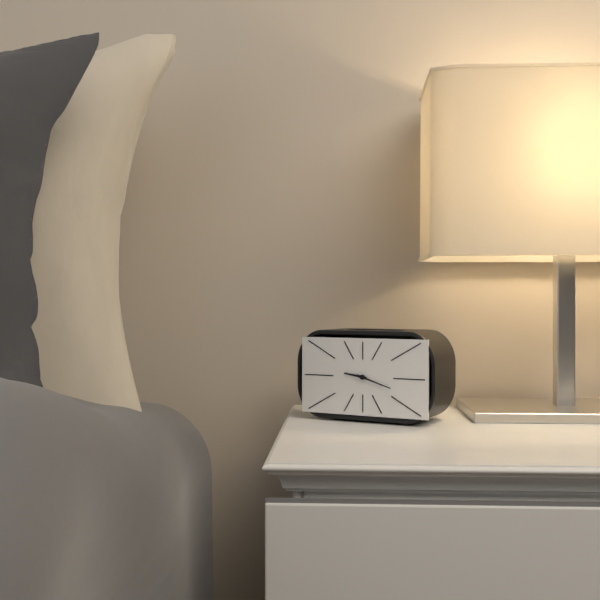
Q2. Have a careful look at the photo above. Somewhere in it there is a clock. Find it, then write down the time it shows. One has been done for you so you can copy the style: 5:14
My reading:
9:18
